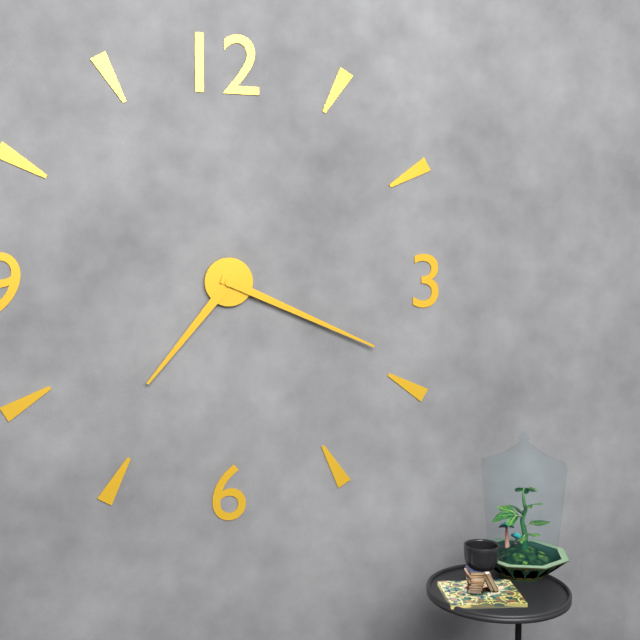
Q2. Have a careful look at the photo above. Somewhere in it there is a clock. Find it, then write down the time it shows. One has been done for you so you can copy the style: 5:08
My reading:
7:19
